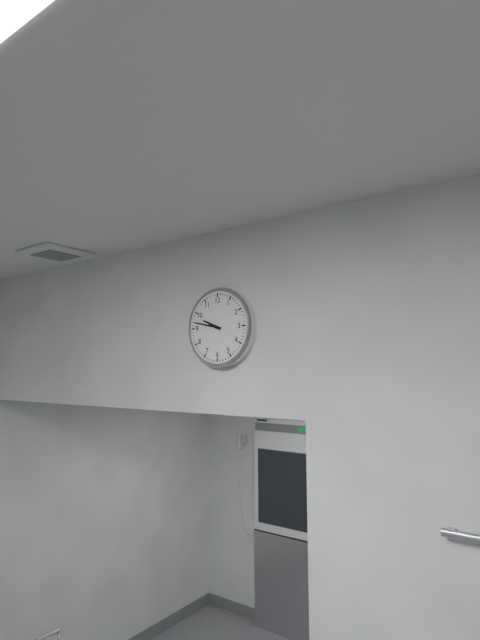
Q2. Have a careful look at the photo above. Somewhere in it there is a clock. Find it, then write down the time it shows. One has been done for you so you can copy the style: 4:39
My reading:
9:47
